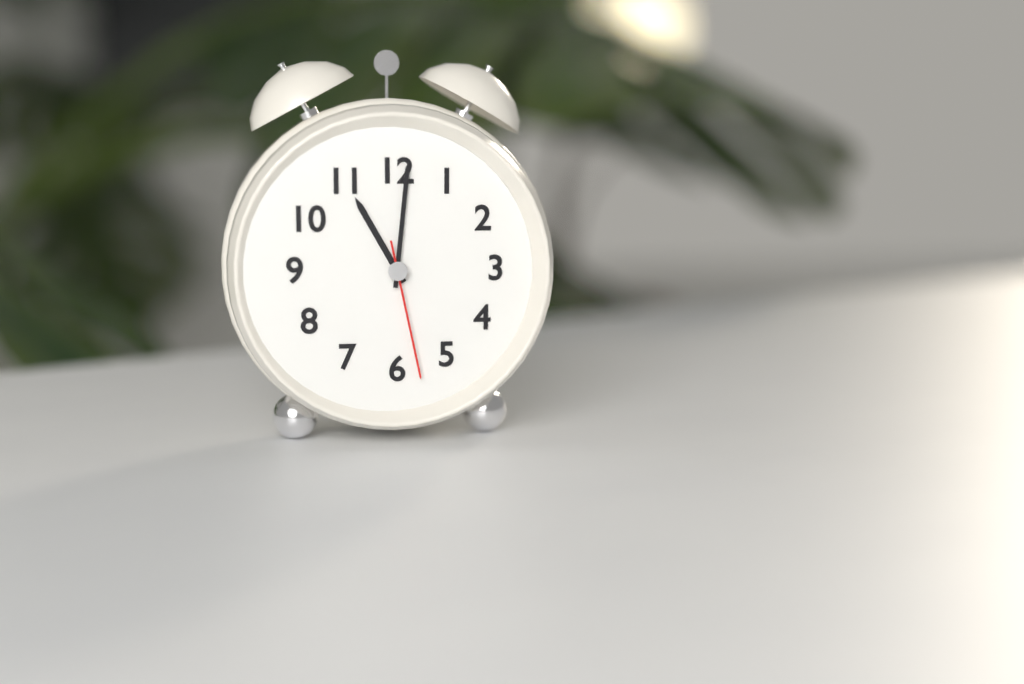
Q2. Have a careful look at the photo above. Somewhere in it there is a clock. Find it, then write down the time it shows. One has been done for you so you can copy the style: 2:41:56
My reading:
11:01:28
